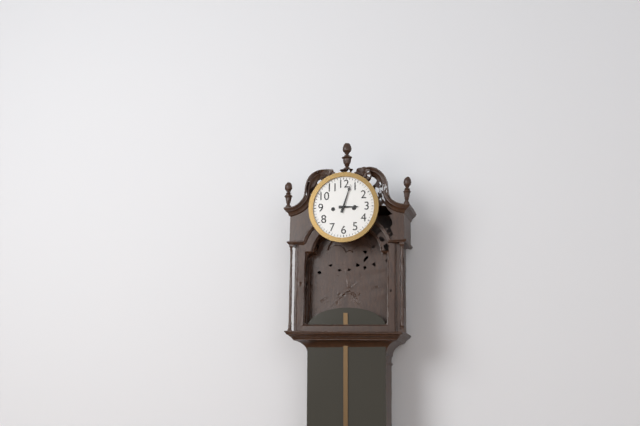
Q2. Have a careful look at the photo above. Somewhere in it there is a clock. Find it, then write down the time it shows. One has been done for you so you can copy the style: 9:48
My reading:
3:03
